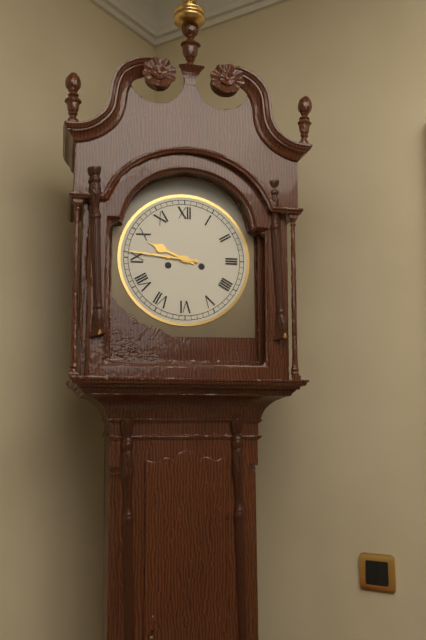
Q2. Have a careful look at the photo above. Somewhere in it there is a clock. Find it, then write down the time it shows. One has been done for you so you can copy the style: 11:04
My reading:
9:46
